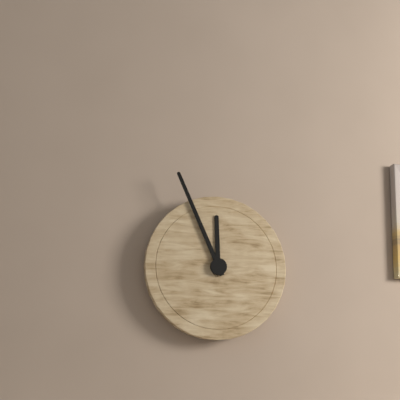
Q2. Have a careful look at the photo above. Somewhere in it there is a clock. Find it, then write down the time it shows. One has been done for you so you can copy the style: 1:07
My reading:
11:56
